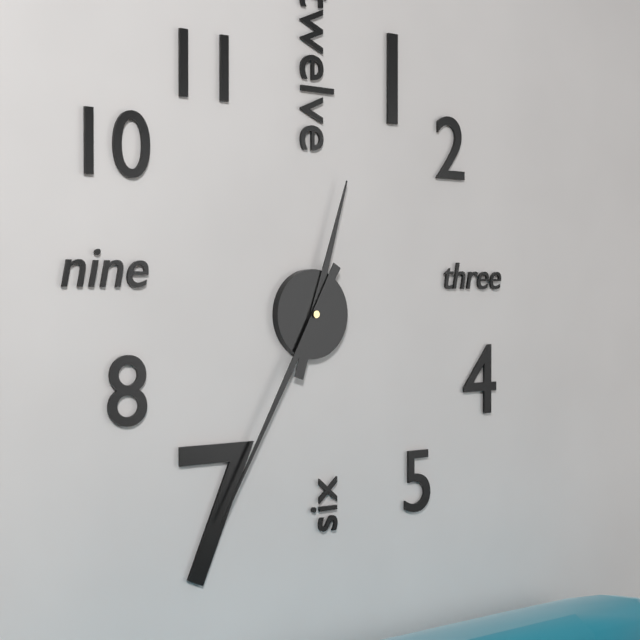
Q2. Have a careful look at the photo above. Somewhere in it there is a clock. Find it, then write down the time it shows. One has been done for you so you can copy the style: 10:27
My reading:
12:35
